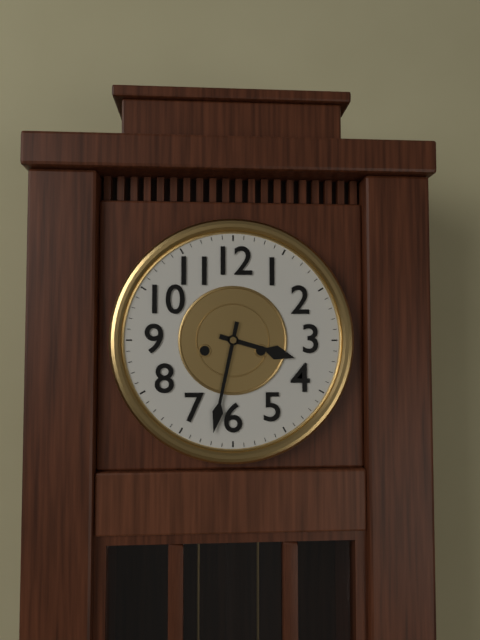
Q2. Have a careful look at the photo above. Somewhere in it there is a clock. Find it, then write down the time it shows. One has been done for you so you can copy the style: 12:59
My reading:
3:32
